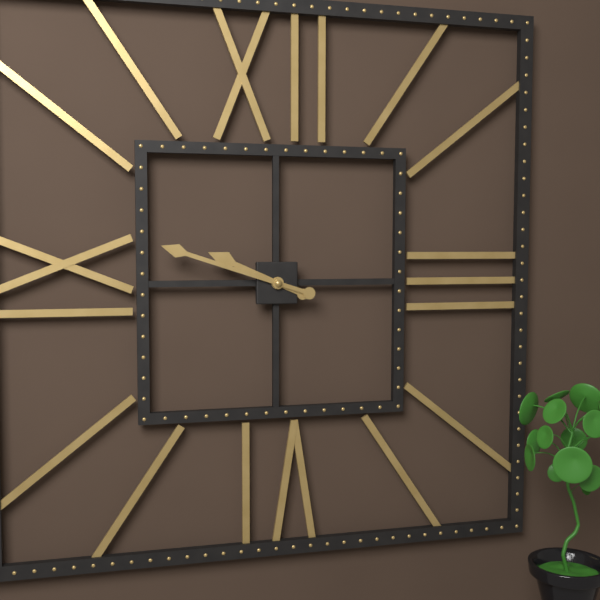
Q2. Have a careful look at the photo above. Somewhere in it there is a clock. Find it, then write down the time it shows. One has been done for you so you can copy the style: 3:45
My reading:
9:48
